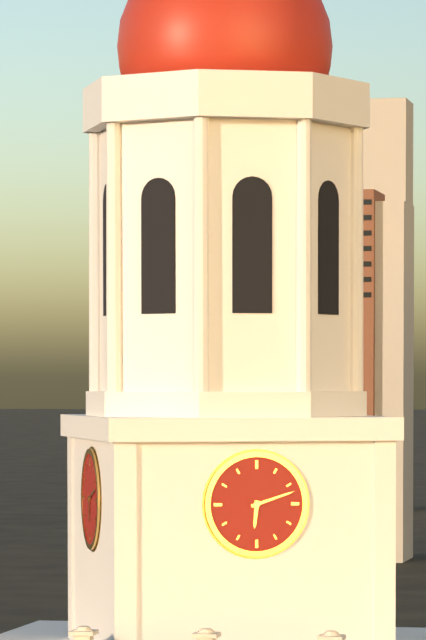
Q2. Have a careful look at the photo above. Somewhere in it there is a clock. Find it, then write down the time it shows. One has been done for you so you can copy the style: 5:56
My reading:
6:12
